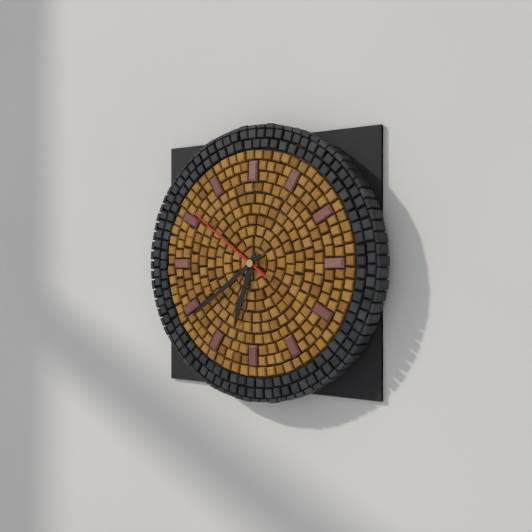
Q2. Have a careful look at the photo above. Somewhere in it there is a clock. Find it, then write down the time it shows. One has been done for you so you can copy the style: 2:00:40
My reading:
6:39:51
